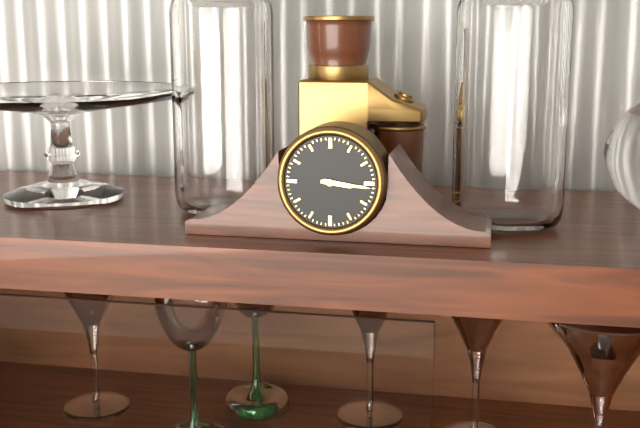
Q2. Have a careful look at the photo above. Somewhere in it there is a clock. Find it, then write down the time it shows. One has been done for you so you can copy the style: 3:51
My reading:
3:16
